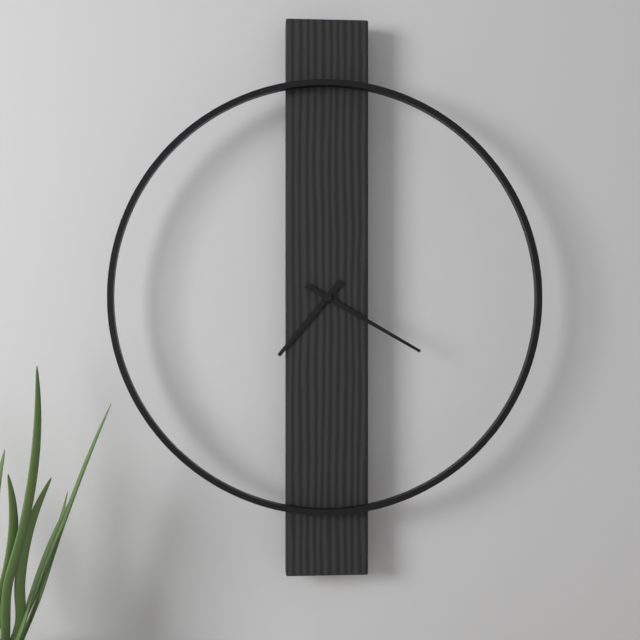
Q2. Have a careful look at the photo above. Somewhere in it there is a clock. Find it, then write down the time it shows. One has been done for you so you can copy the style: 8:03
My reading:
7:20
